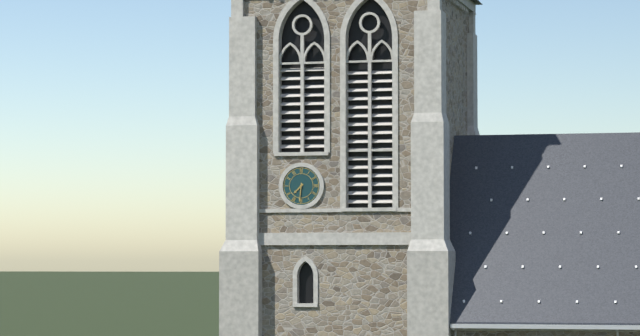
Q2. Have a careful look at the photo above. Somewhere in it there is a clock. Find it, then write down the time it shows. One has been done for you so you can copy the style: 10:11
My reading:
7:31
